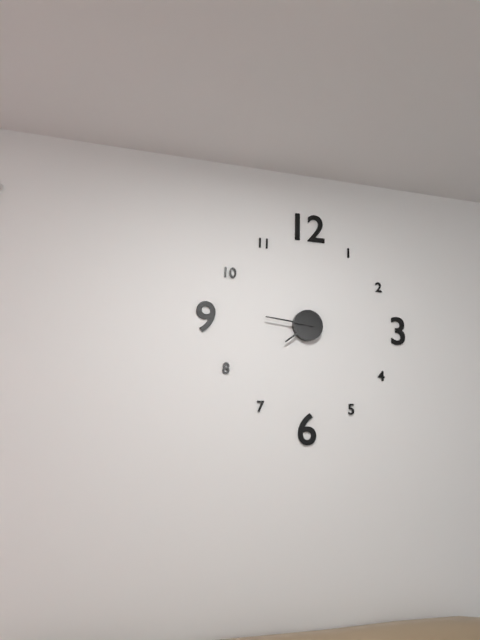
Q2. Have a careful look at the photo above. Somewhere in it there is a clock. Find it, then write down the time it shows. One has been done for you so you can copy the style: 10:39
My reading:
7:46
